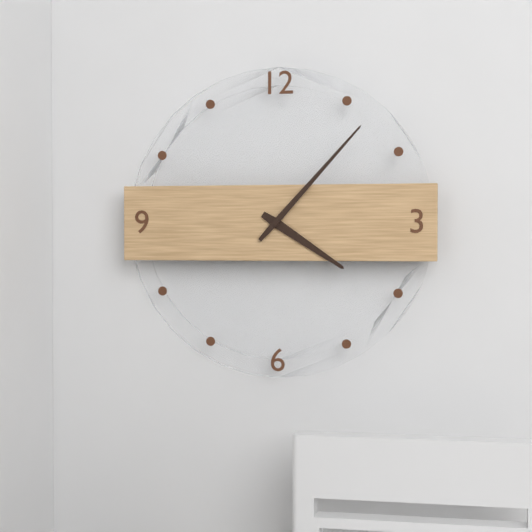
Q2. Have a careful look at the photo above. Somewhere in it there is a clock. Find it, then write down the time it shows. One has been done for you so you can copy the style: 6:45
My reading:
4:07
